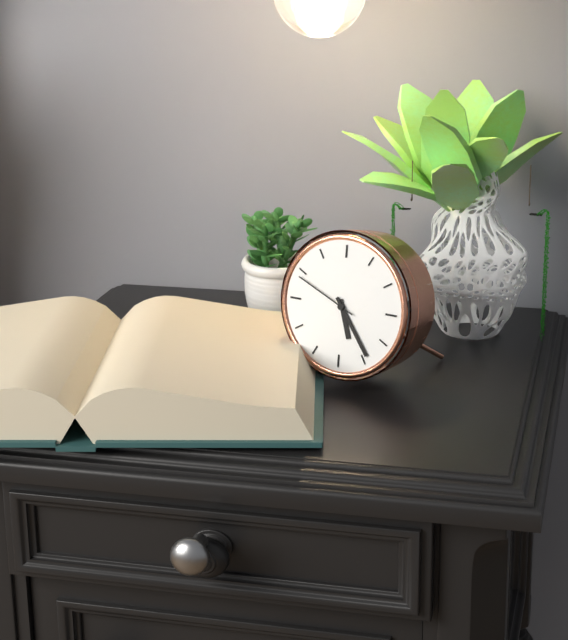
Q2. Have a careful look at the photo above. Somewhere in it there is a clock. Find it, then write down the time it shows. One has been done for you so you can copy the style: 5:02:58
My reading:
5:24:49
